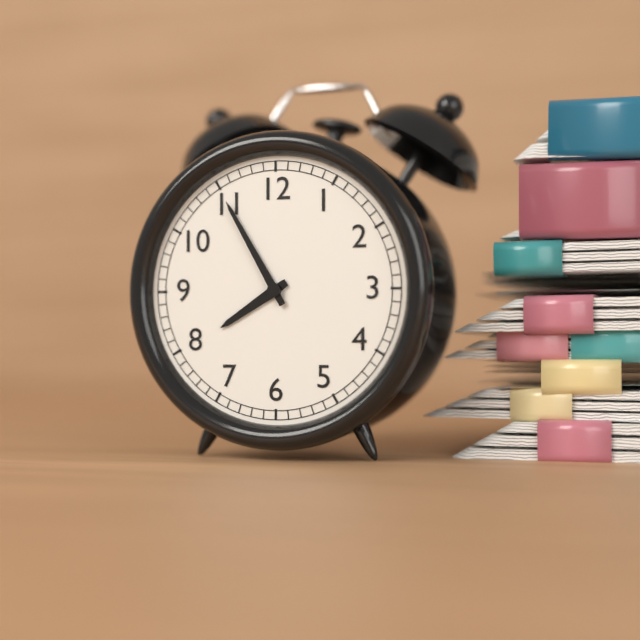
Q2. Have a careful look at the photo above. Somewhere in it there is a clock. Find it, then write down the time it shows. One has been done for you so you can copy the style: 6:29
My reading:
7:55
